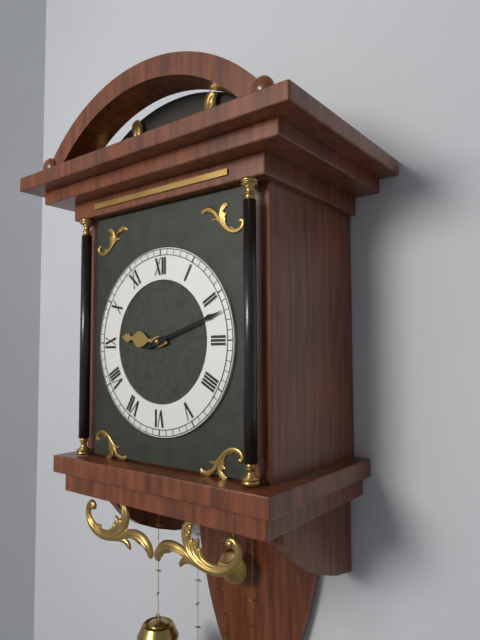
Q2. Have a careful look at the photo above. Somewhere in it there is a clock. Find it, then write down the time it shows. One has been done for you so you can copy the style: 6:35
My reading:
9:12
